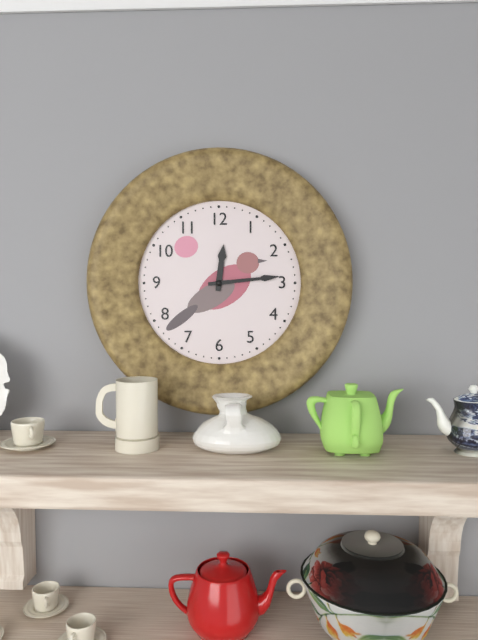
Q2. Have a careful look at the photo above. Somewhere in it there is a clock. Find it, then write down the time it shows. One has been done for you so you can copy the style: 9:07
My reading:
12:14
